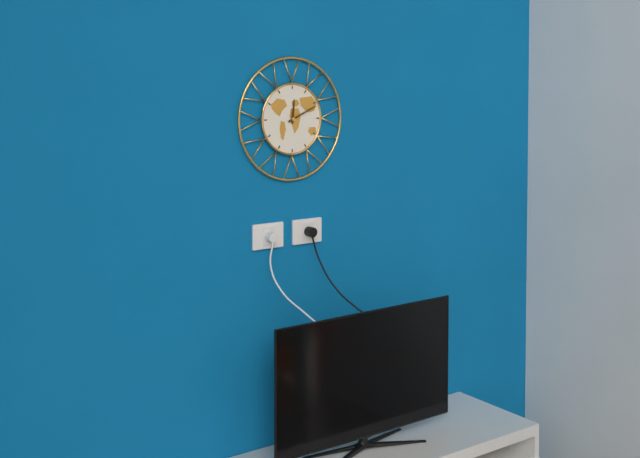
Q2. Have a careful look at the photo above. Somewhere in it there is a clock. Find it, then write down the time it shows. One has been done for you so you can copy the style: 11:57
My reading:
12:11
